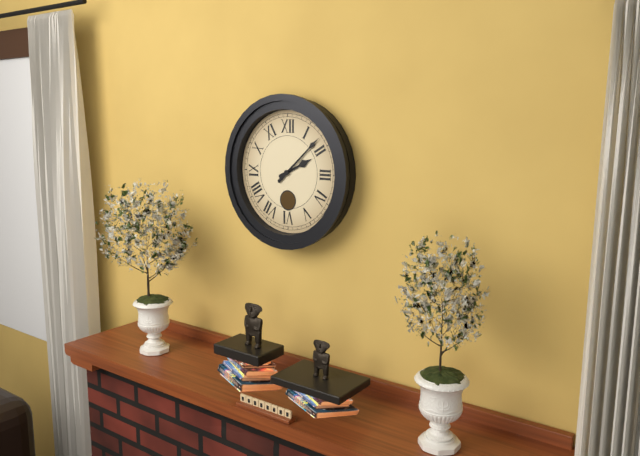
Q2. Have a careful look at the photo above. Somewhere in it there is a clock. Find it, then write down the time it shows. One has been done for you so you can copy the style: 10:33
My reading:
2:08
